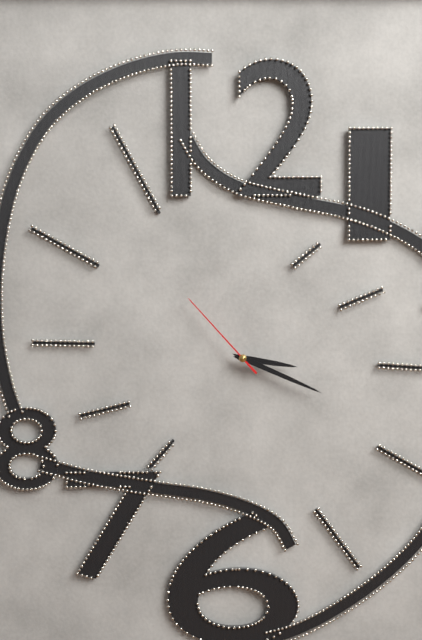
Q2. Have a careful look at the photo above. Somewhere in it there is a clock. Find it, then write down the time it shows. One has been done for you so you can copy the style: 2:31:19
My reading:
3:19:53
